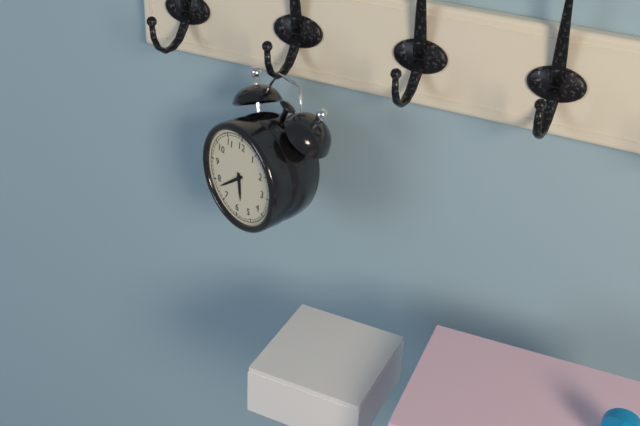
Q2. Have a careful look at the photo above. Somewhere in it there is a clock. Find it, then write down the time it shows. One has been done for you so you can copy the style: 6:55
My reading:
5:38
